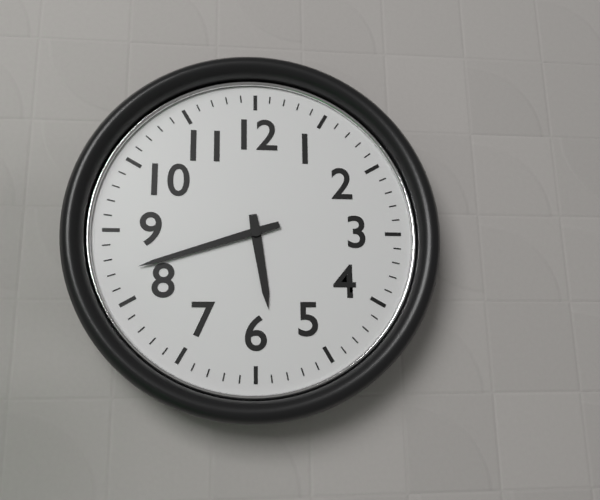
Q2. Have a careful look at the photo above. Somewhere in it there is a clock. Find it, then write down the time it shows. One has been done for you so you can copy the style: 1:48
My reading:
5:42
